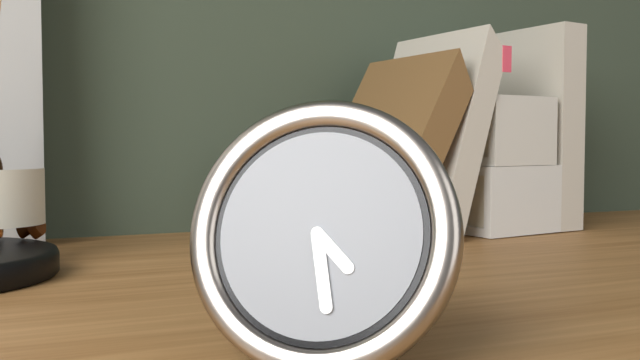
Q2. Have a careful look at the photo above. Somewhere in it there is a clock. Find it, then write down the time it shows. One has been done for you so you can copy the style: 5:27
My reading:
4:28
